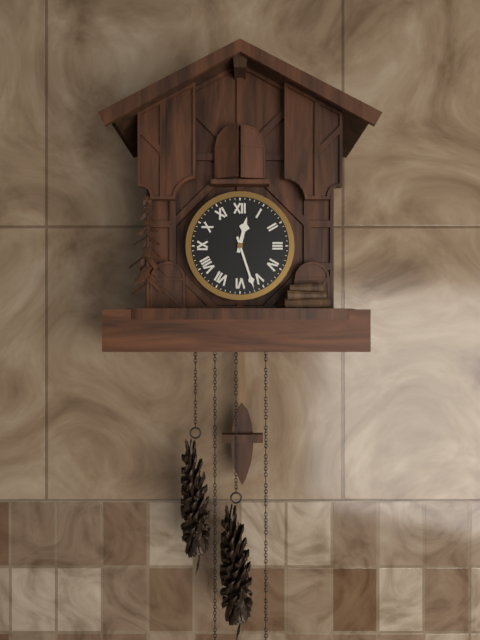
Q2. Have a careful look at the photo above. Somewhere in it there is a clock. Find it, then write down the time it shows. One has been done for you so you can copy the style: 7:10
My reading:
12:27
